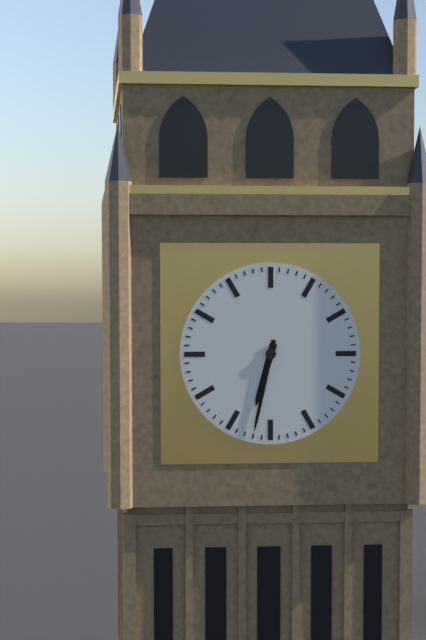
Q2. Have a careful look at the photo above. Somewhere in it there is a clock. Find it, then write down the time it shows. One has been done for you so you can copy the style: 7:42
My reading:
6:32
